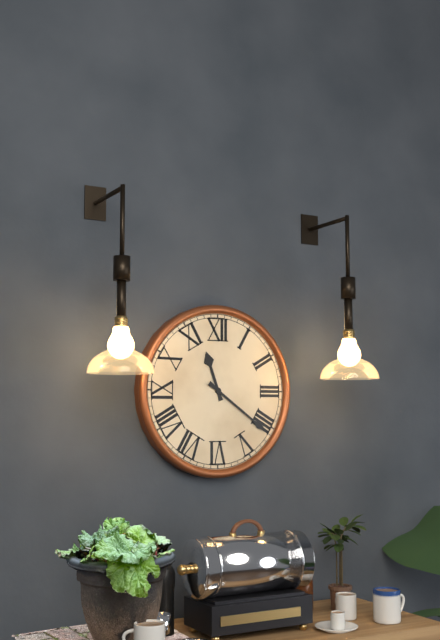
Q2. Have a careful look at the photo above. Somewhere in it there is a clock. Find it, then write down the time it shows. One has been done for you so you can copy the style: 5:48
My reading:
11:21
